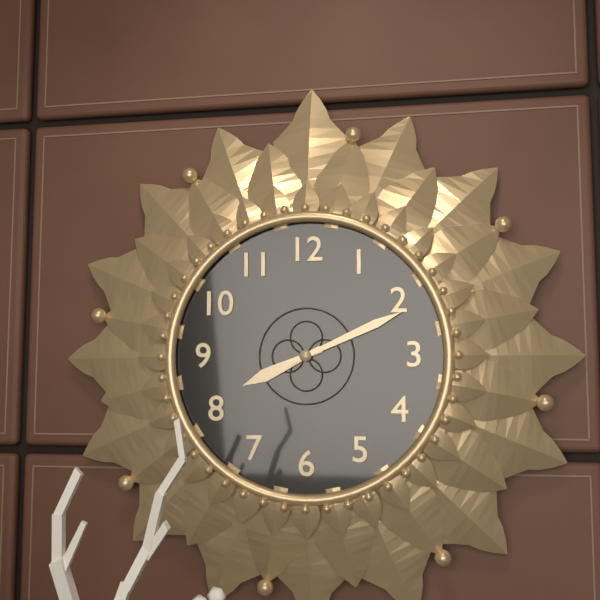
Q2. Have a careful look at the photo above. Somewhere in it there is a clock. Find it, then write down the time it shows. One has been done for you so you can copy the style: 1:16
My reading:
8:11
